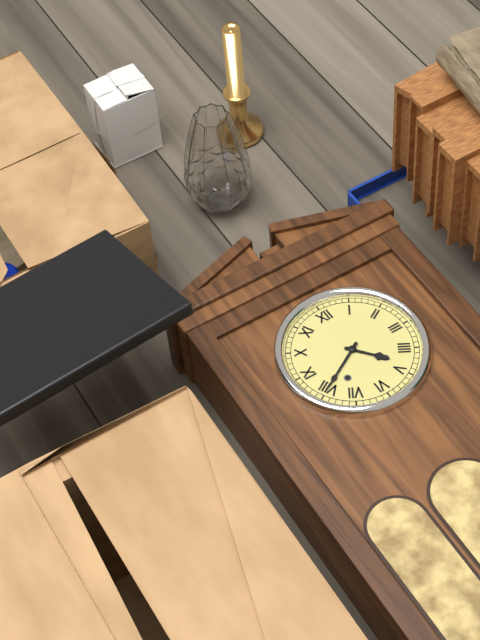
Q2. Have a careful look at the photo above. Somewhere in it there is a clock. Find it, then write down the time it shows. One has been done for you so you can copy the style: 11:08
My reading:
4:40
